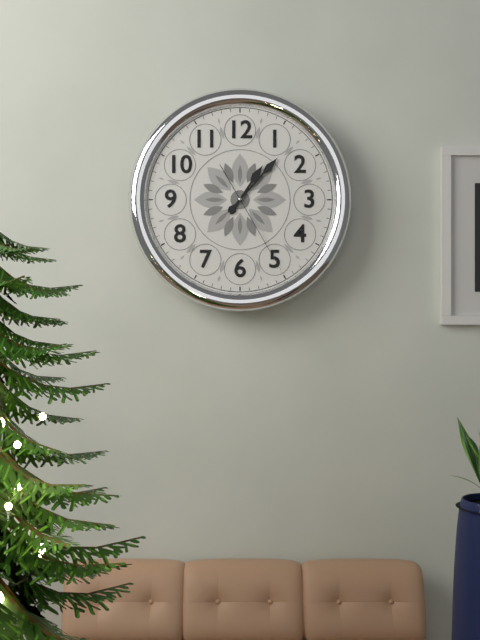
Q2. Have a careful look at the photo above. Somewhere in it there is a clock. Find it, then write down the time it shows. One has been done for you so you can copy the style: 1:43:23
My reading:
1:07:25
